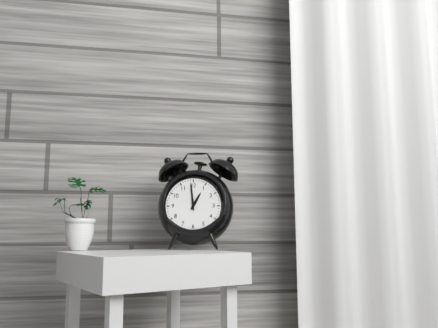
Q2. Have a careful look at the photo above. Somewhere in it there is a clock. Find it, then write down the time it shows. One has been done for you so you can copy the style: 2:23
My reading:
12:59
